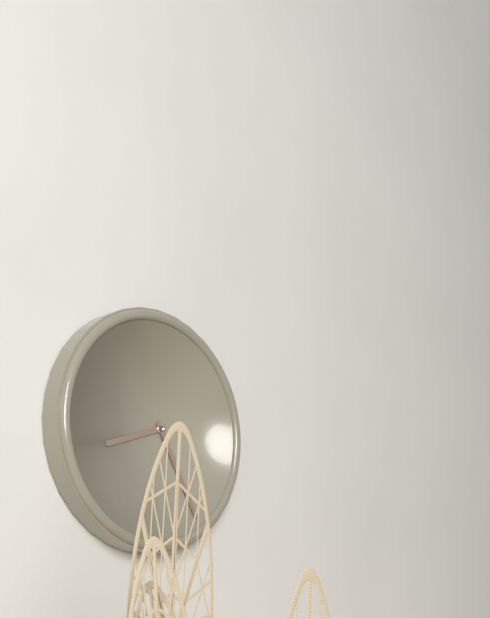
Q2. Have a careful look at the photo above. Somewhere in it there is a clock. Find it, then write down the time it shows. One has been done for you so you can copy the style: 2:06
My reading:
8:25
